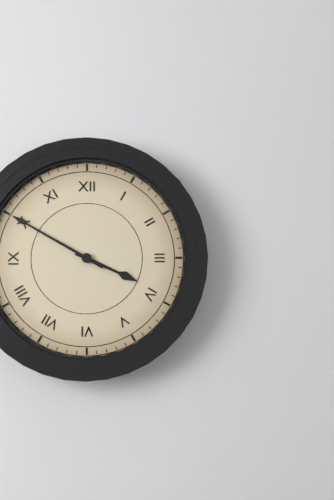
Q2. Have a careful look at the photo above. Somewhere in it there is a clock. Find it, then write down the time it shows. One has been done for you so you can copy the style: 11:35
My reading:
3:50
